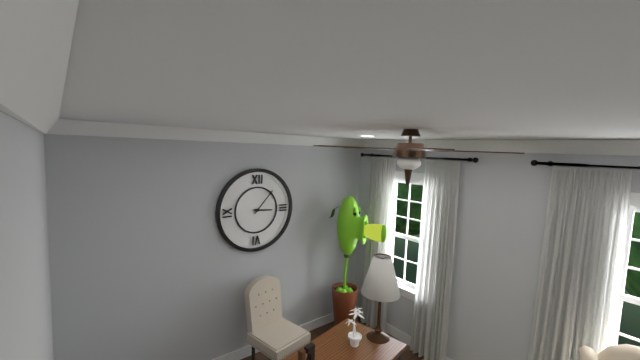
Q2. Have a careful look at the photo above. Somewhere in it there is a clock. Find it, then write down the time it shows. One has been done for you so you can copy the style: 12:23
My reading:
3:07
